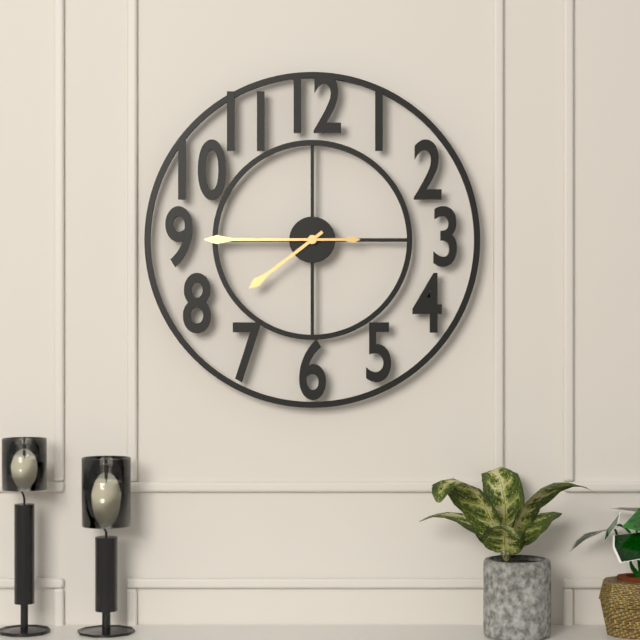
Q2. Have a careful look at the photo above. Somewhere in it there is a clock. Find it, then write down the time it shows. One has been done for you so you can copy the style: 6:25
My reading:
7:45
